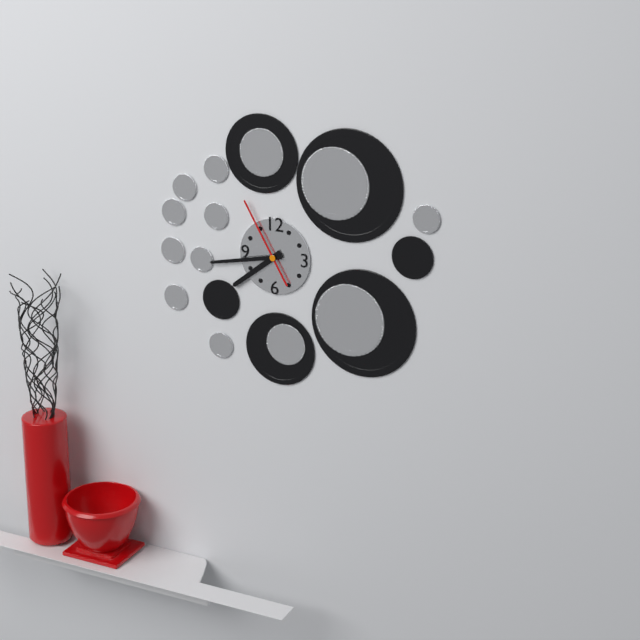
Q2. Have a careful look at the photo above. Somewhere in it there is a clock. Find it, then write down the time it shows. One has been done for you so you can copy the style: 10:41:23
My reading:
7:43:55
